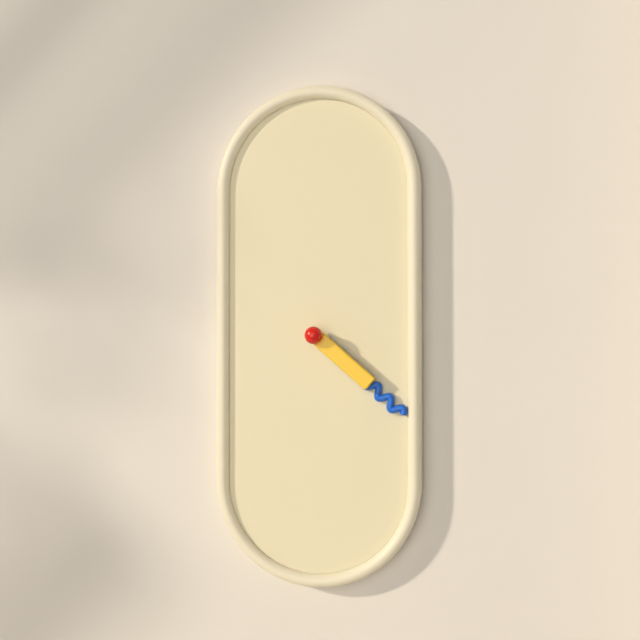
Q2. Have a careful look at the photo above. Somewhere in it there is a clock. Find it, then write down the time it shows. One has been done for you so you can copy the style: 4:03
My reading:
4:22
